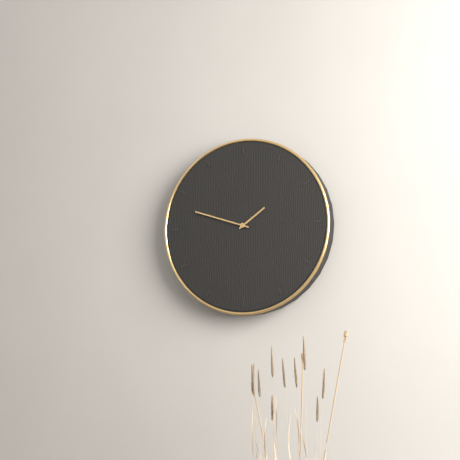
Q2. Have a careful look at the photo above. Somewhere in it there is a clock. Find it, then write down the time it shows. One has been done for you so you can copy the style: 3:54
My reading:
1:48
